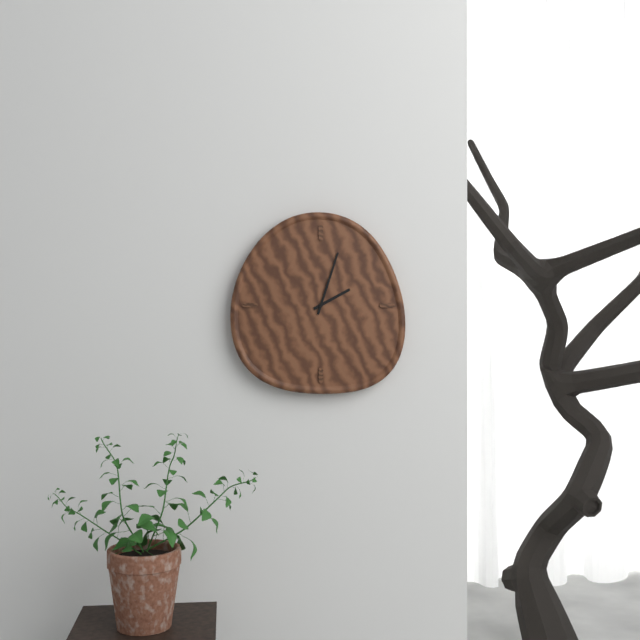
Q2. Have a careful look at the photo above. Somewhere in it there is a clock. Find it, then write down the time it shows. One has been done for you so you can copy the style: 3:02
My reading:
2:03
